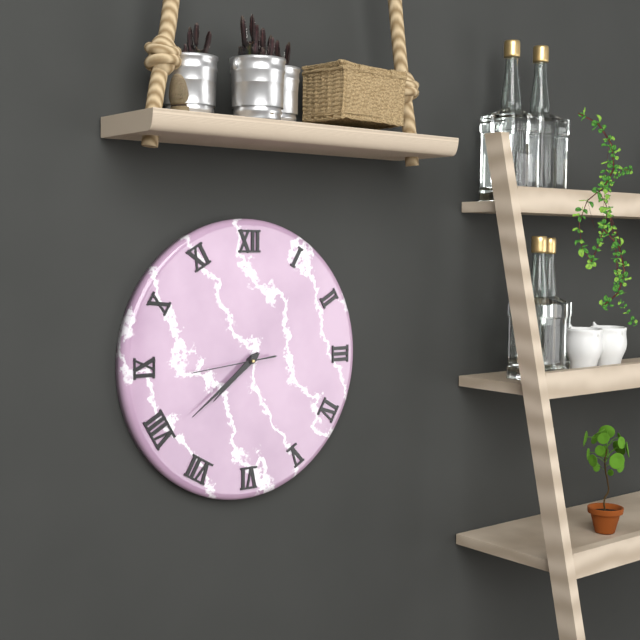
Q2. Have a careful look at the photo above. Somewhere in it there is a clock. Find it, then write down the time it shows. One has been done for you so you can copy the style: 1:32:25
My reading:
7:39:44
